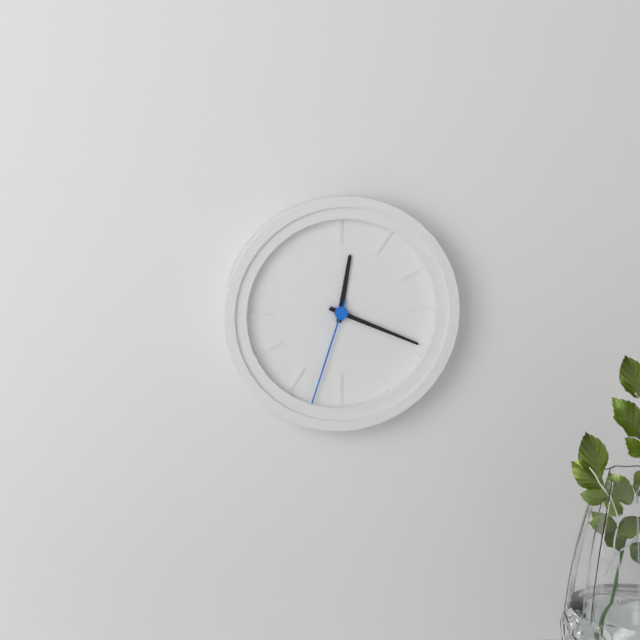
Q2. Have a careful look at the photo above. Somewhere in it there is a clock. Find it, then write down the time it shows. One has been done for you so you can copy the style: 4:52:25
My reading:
12:19:33
